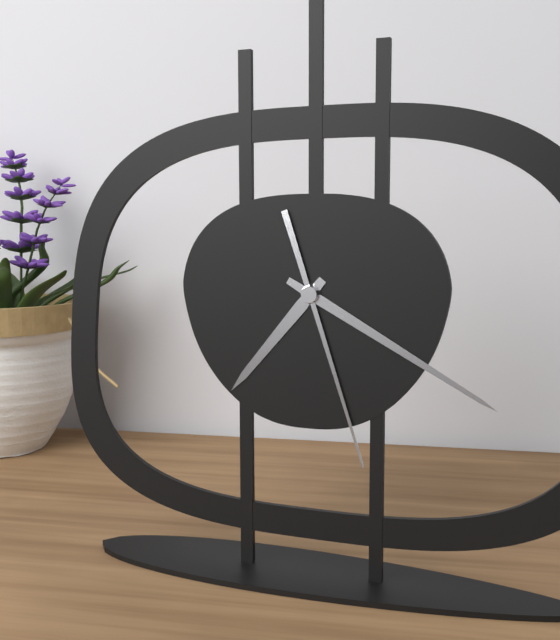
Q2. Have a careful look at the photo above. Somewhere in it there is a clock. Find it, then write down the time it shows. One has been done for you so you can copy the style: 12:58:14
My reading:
7:20:27
